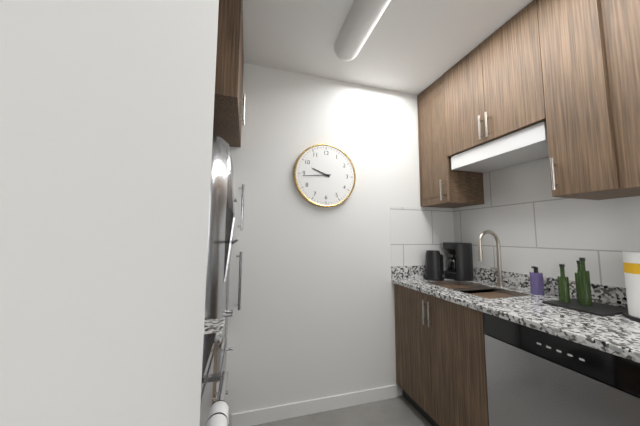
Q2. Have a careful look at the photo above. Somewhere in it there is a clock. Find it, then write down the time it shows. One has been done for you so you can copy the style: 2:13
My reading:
9:44
